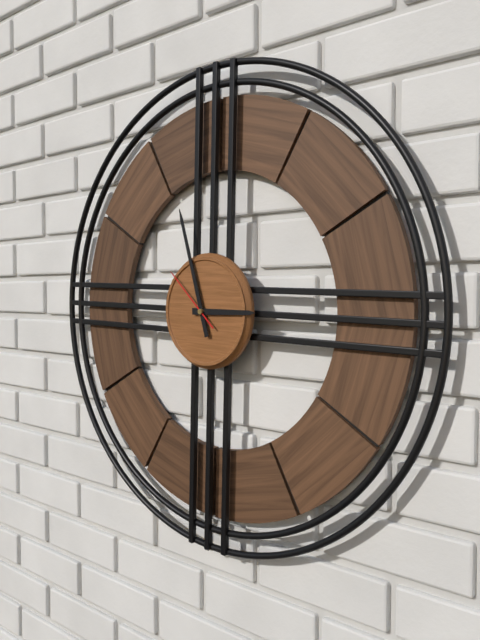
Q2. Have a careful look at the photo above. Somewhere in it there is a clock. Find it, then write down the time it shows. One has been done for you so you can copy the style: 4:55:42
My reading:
2:57:52
